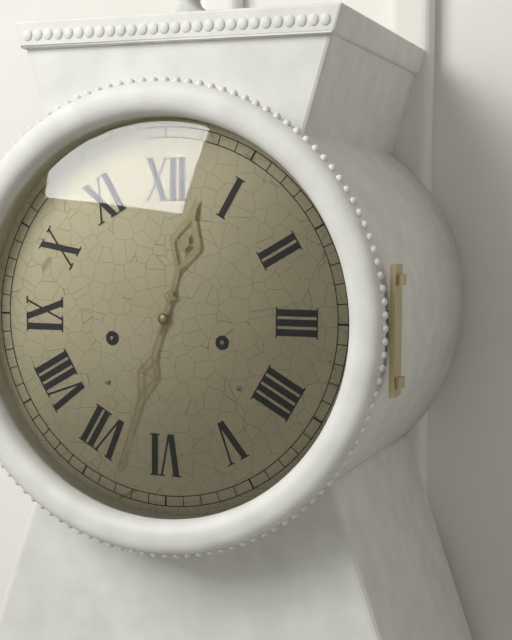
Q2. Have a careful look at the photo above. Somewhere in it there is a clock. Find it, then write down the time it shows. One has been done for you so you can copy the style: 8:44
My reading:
12:33
